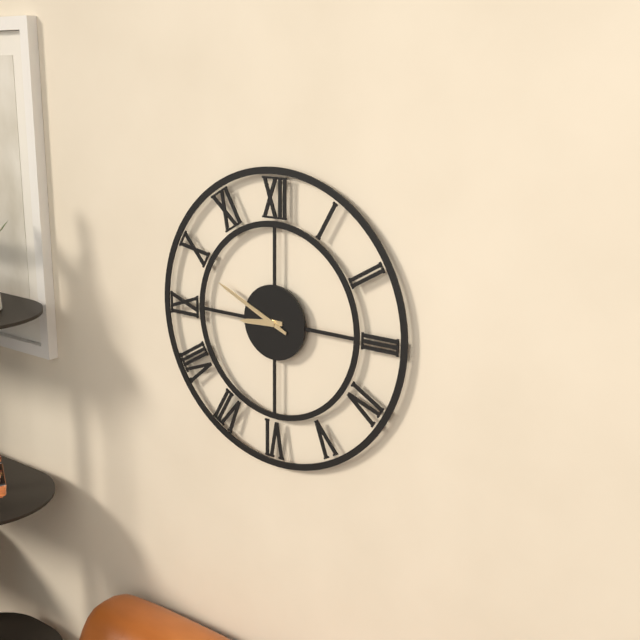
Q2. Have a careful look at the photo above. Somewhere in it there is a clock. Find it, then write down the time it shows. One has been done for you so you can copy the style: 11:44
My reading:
8:49
